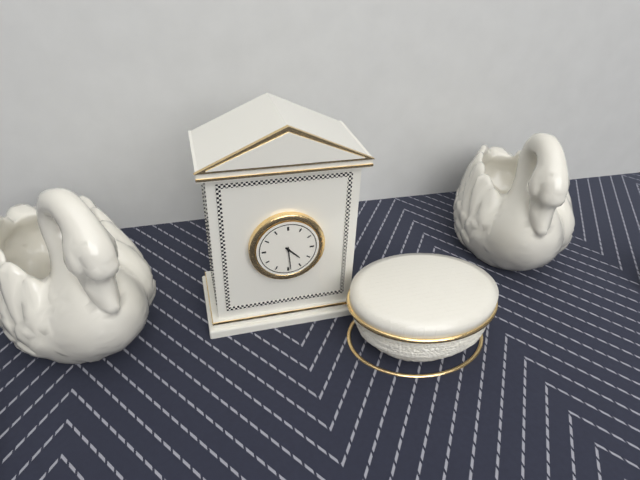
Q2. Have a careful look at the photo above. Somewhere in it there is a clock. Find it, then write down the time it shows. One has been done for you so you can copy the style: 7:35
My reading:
4:29
